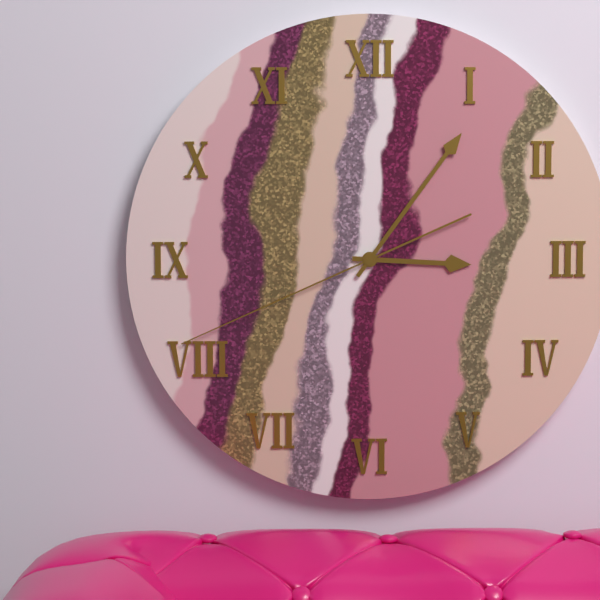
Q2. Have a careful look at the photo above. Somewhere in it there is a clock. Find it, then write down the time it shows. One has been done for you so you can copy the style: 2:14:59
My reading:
3:06:41
